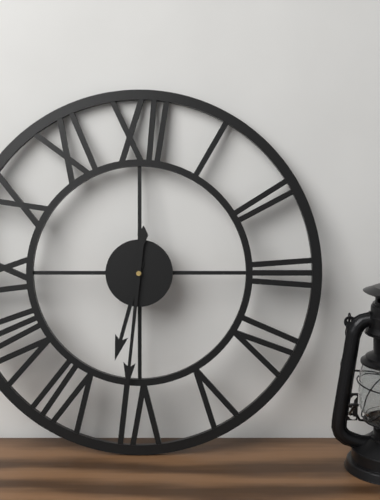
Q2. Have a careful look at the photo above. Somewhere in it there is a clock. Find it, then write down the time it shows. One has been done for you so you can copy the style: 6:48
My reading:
6:31
